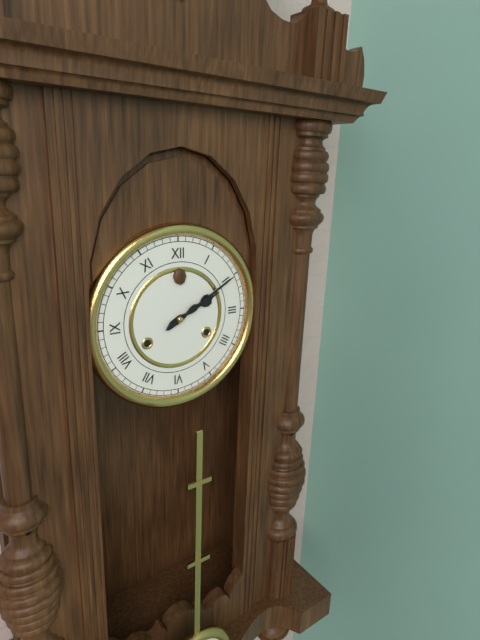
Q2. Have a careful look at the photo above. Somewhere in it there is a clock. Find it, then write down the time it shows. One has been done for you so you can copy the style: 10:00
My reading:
2:10
